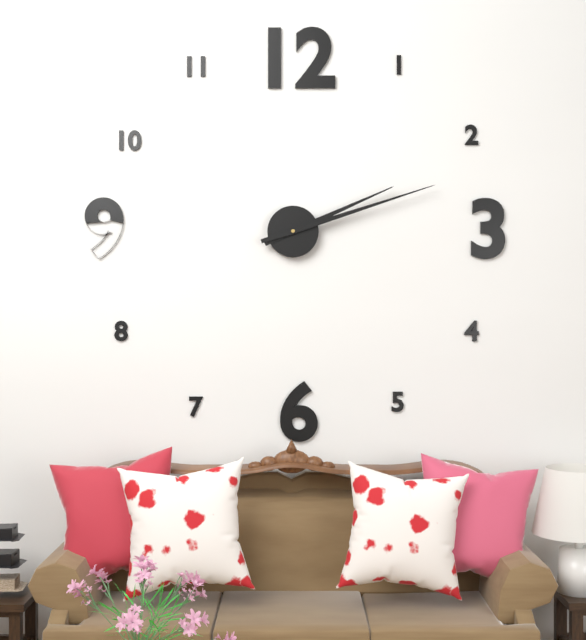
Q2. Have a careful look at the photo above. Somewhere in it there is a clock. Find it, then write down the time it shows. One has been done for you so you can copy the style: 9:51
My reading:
2:12
